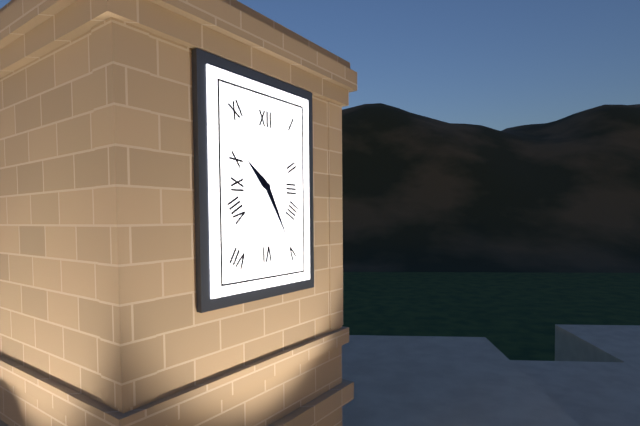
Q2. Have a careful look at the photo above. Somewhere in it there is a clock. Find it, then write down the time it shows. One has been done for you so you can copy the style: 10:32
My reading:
10:25
